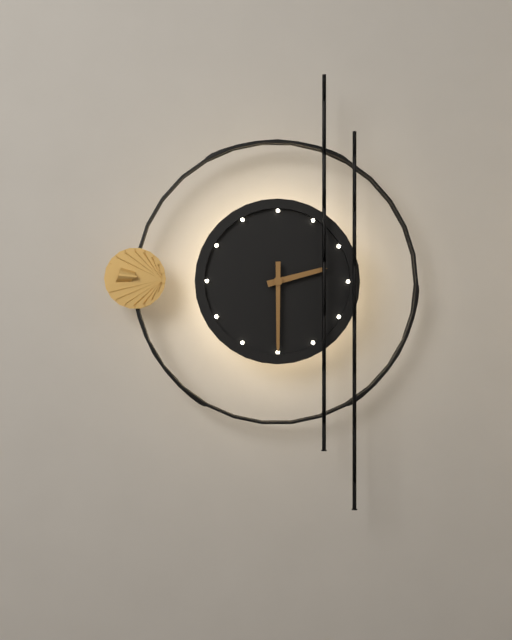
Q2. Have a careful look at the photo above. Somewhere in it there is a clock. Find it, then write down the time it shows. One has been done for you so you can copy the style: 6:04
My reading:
2:30
